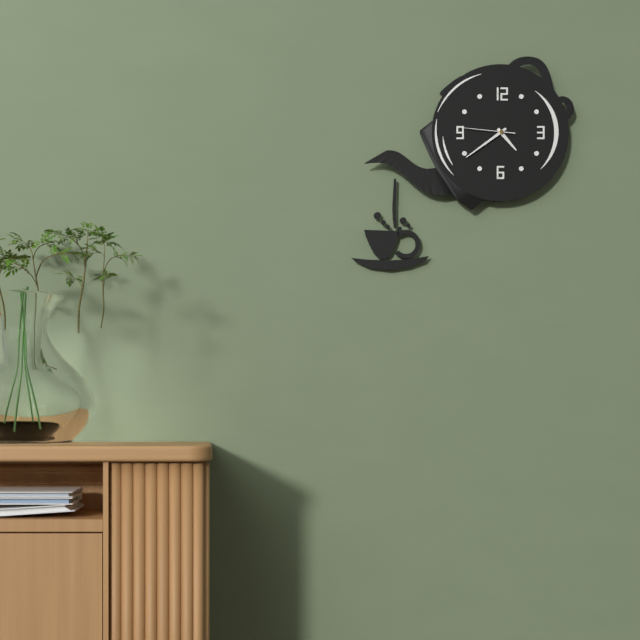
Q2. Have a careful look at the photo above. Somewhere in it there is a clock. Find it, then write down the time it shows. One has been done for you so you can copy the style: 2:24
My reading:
4:39
